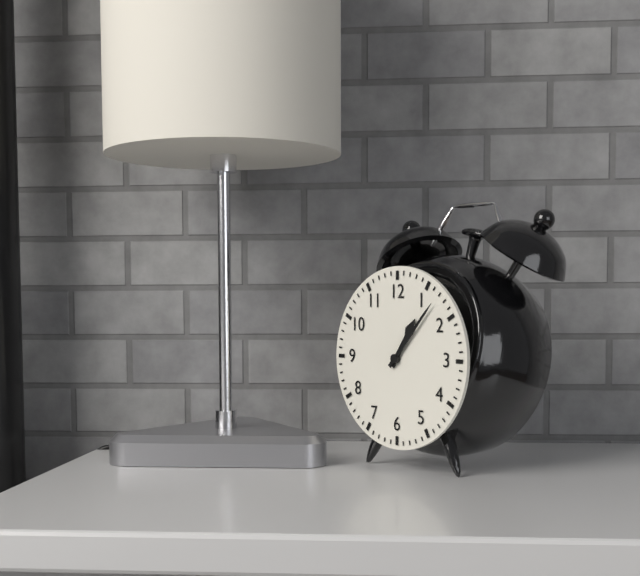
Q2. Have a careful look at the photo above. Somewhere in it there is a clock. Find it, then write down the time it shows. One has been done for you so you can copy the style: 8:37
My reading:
1:07
